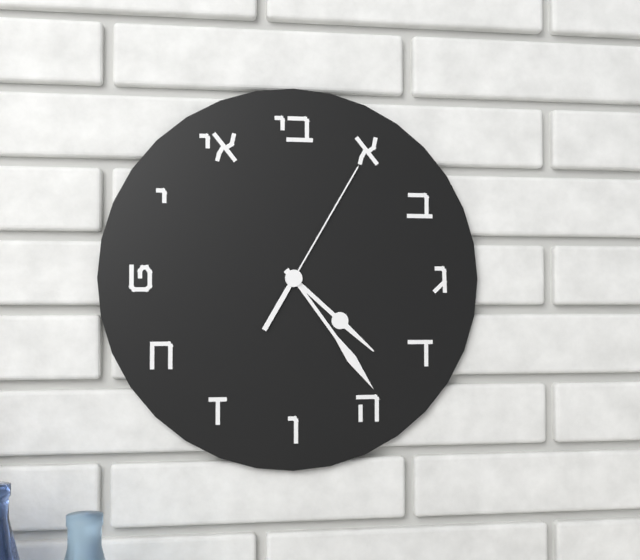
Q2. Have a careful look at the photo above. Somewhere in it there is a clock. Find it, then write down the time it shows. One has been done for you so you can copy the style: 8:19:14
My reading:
4:24:05
